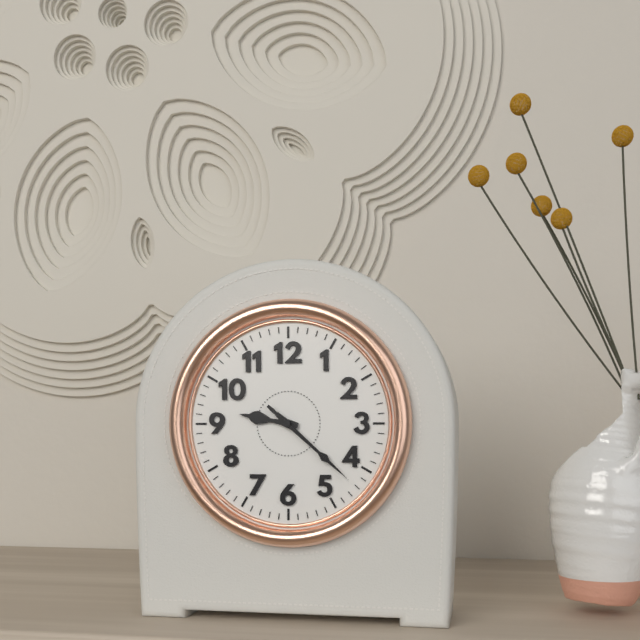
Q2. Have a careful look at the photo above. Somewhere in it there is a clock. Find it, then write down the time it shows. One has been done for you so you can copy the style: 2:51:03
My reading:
9:22:22
